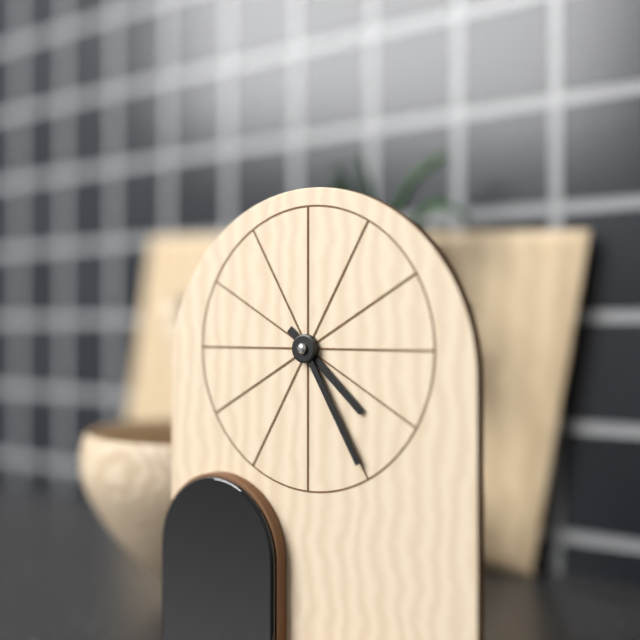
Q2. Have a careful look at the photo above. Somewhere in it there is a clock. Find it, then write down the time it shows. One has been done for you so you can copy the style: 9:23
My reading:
4:25
